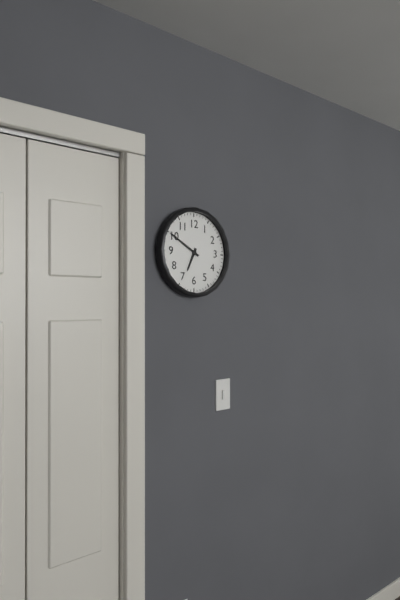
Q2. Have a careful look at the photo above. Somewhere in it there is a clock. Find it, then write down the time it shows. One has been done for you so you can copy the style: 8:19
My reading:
6:50
